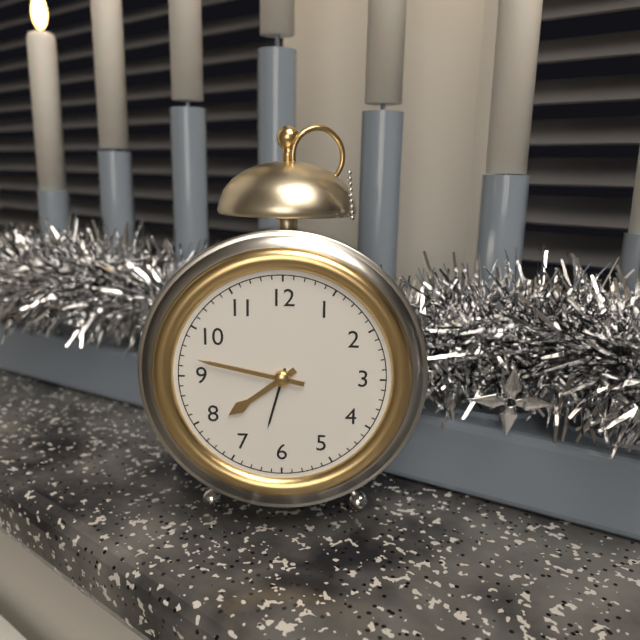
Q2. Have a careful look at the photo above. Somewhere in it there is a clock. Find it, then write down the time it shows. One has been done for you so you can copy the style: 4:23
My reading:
7:47
